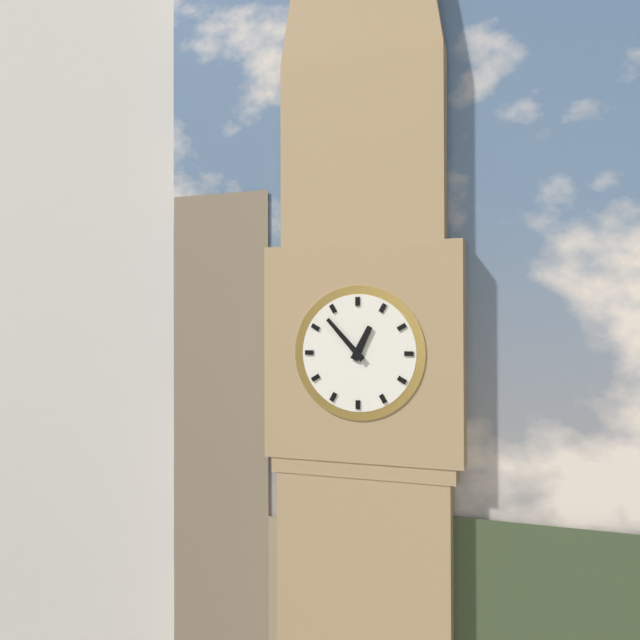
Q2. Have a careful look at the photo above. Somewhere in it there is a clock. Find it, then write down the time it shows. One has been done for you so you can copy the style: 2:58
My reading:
12:53
